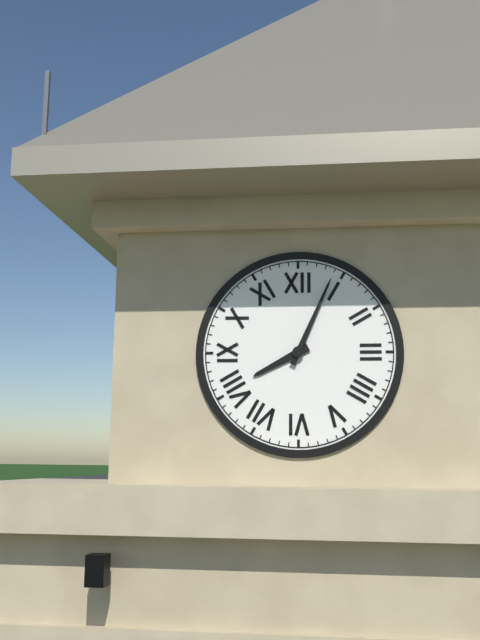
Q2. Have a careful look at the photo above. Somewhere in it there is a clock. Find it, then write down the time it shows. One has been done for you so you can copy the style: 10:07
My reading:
8:04
